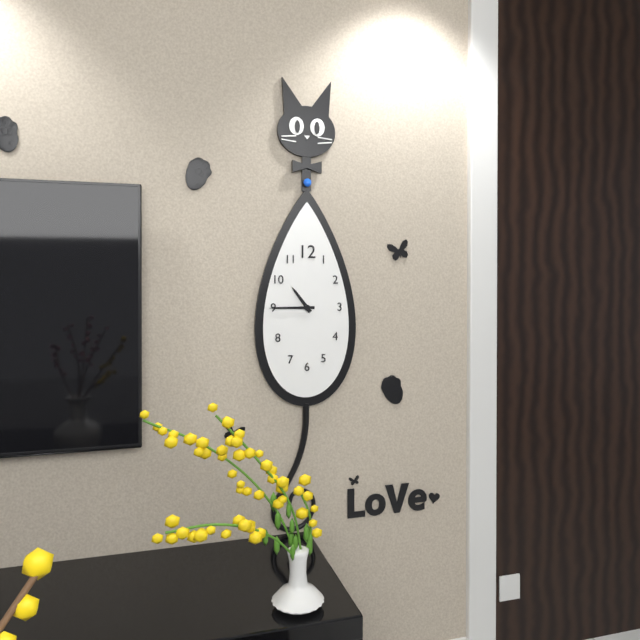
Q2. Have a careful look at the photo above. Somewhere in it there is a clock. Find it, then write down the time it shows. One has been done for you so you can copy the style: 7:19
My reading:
10:45
